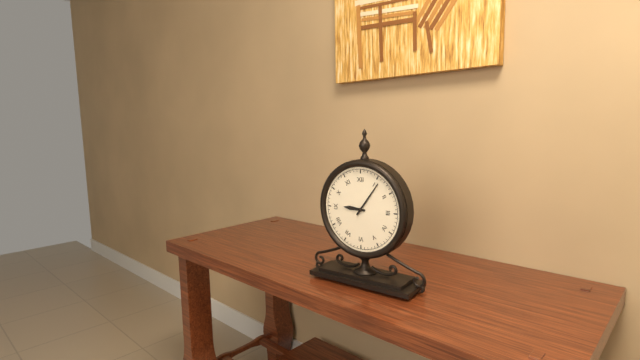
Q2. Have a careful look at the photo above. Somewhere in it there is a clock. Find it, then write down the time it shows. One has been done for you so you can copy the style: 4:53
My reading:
9:06
